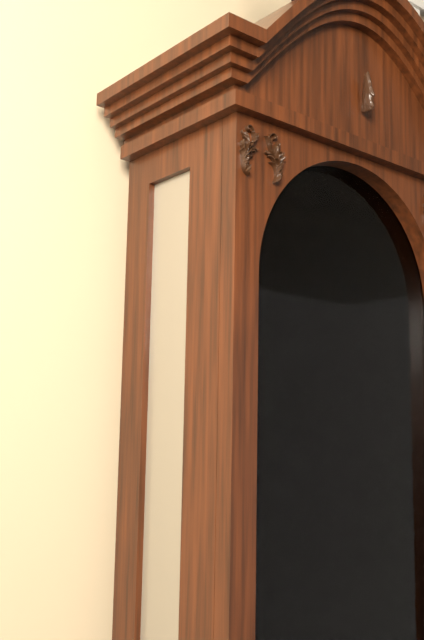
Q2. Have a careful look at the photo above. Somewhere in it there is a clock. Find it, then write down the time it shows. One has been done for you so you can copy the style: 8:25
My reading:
12:32
